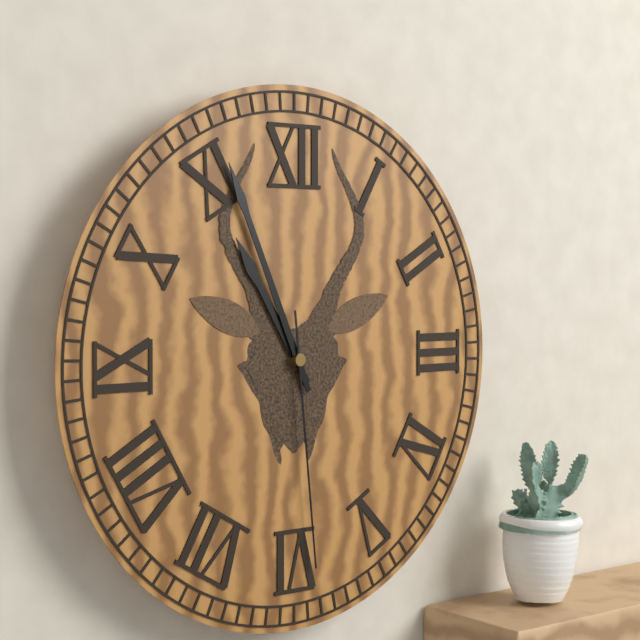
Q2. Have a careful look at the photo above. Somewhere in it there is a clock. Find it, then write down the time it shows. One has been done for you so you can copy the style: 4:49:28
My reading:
10:56:29
